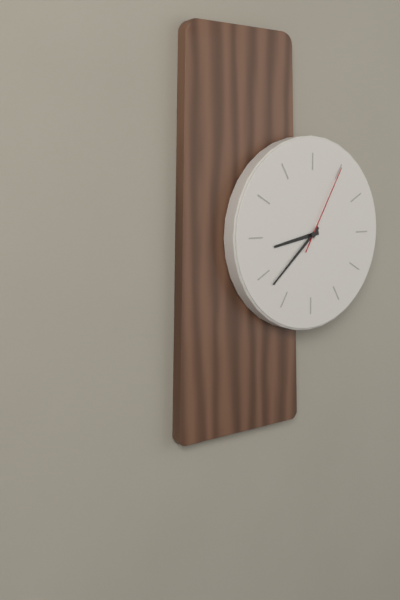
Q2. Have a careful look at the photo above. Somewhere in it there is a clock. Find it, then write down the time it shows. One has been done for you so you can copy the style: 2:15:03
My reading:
8:38:05
